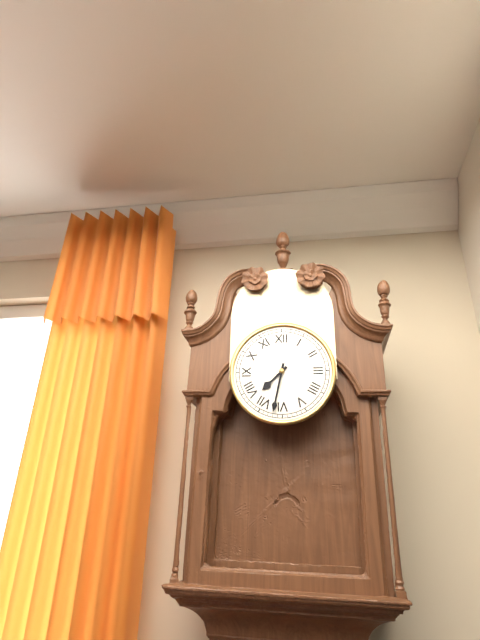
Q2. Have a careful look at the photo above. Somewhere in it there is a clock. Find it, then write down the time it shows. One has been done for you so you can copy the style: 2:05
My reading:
7:32
